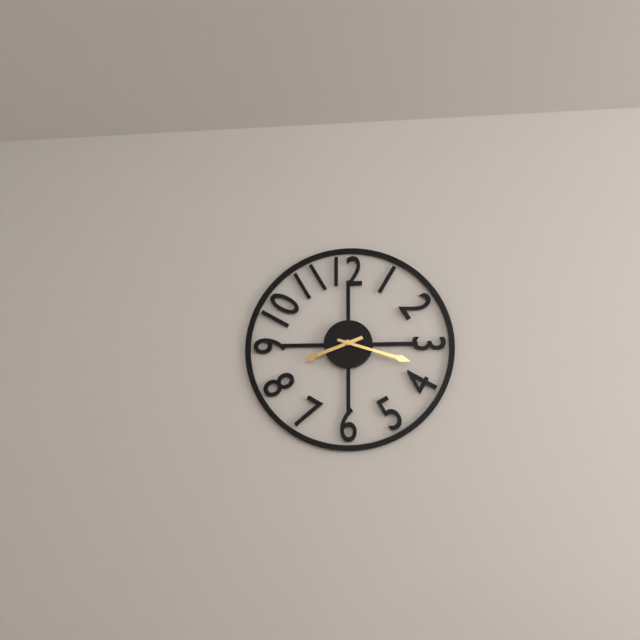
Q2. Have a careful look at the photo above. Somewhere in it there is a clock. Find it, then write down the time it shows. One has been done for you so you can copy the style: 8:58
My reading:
8:18
